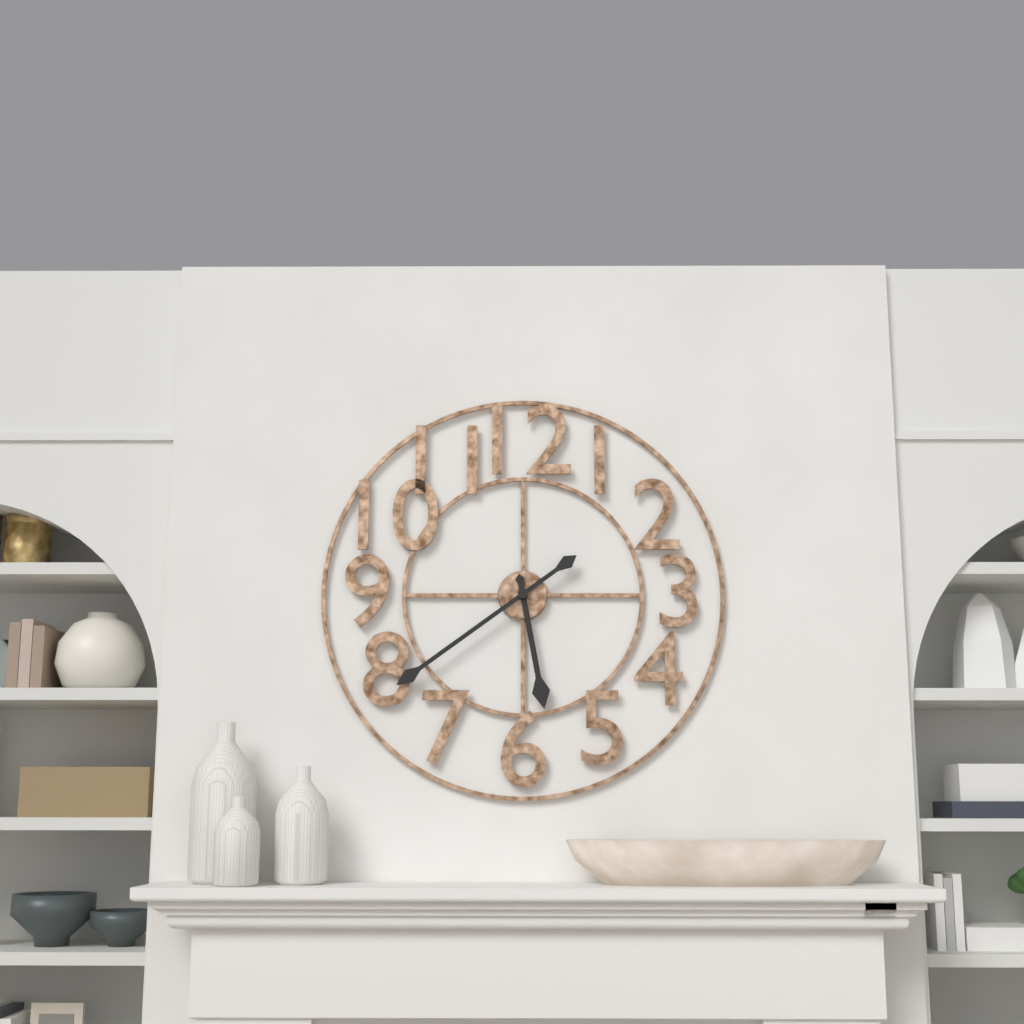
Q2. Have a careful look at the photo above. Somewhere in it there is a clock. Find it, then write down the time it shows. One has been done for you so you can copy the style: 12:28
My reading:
5:39
